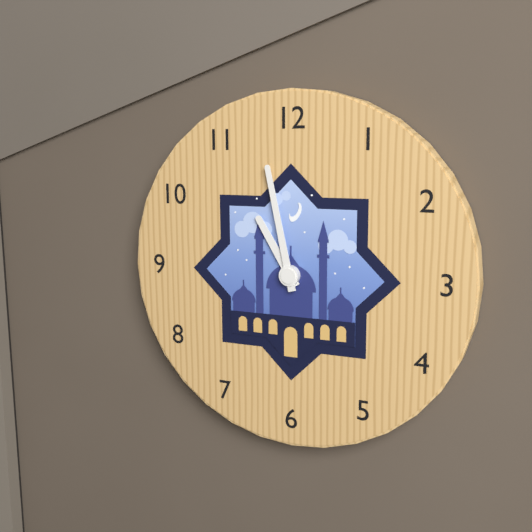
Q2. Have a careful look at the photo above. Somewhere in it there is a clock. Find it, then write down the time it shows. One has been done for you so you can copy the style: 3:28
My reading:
10:58
